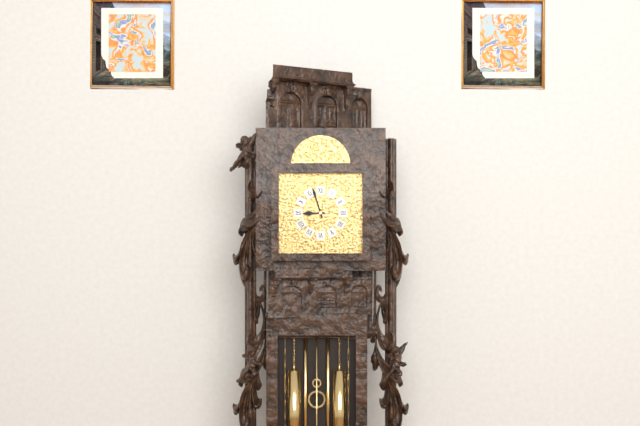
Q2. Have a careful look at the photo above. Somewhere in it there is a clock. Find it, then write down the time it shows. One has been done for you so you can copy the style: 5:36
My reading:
8:57
